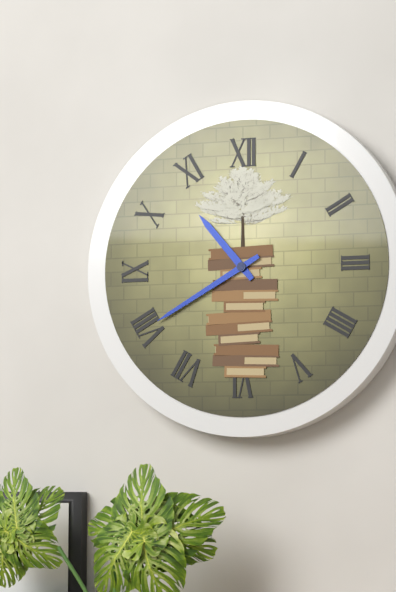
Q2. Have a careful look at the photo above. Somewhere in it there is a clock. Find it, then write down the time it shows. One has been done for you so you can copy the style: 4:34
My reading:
10:40
